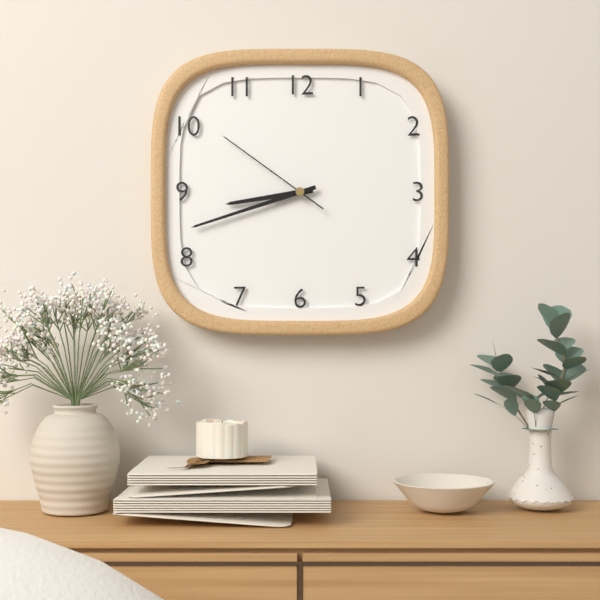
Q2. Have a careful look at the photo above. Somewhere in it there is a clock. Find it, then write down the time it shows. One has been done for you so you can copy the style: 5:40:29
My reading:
8:42:51
